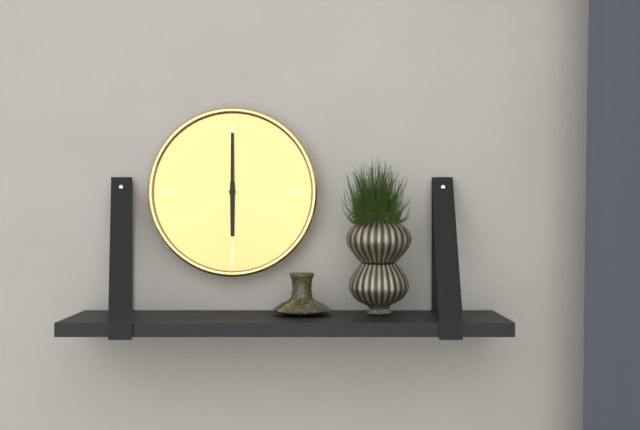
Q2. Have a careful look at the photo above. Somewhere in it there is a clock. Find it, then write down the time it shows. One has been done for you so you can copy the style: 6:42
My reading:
6:00
